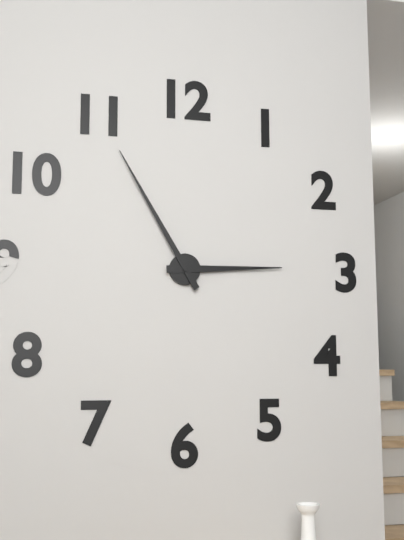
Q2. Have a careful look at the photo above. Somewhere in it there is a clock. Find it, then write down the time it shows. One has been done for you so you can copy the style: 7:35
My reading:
2:55
